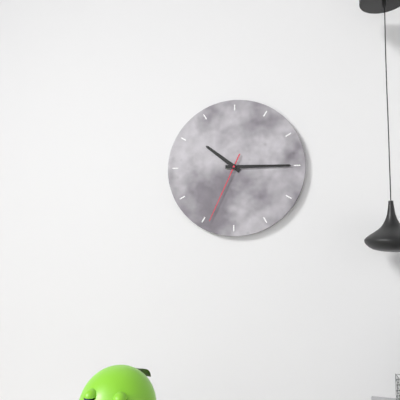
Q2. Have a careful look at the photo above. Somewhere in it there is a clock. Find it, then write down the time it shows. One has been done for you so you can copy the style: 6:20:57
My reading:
10:15:34
